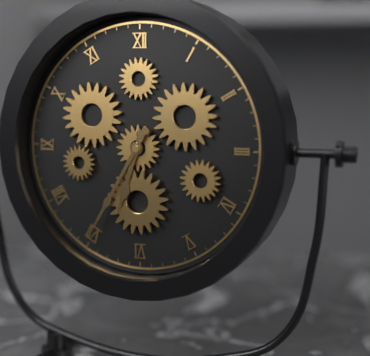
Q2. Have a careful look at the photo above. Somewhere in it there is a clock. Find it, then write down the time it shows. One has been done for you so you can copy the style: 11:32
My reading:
6:35
